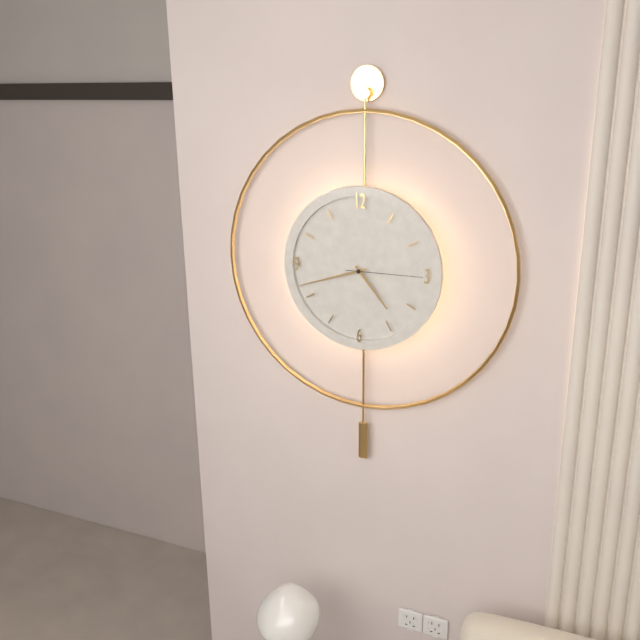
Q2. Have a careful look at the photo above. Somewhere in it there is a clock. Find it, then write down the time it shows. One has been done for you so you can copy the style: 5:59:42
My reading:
4:42:15
